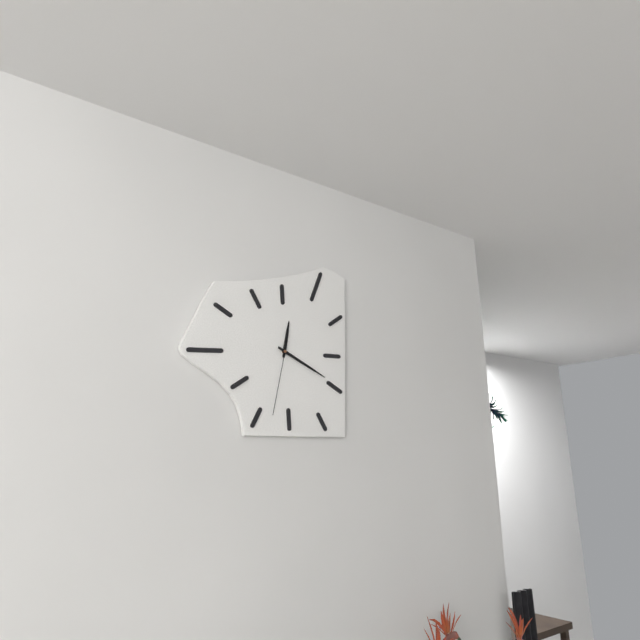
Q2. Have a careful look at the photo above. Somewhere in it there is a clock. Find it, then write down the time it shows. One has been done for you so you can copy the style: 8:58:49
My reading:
12:19:32
